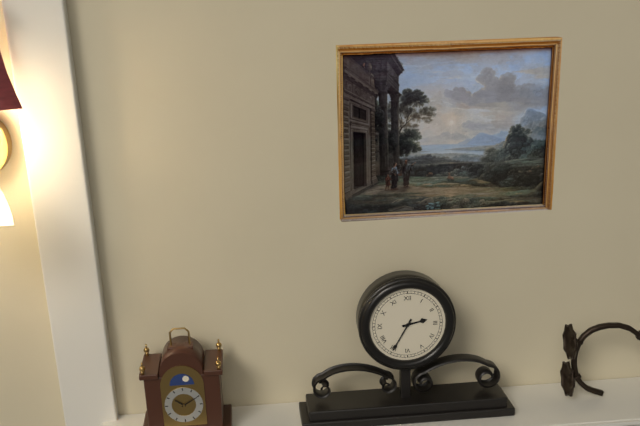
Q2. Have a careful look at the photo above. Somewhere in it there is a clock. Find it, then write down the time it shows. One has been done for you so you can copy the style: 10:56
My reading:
2:35
